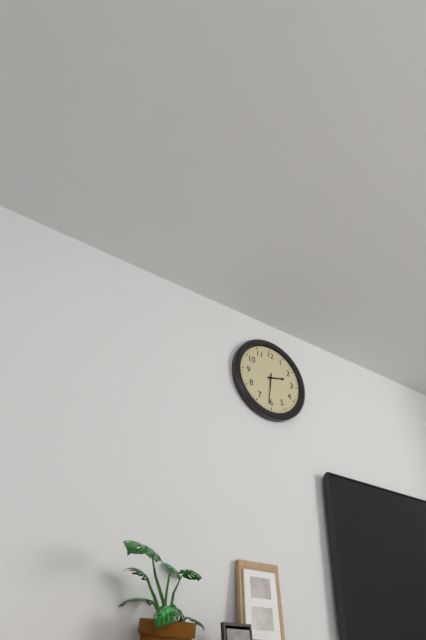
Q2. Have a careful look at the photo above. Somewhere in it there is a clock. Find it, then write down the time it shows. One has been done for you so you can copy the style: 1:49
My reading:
2:31
